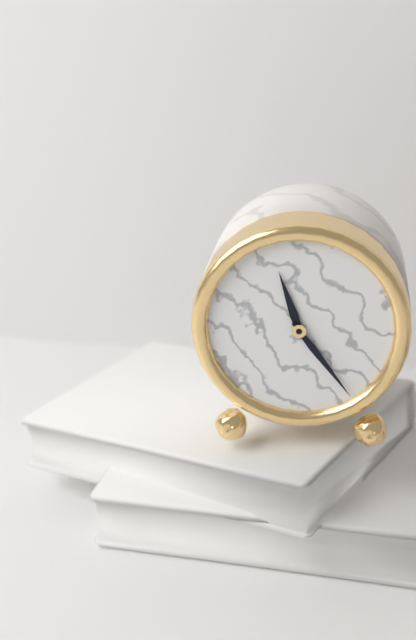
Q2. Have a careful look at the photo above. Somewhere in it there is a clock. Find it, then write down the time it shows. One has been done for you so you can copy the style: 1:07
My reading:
11:24
